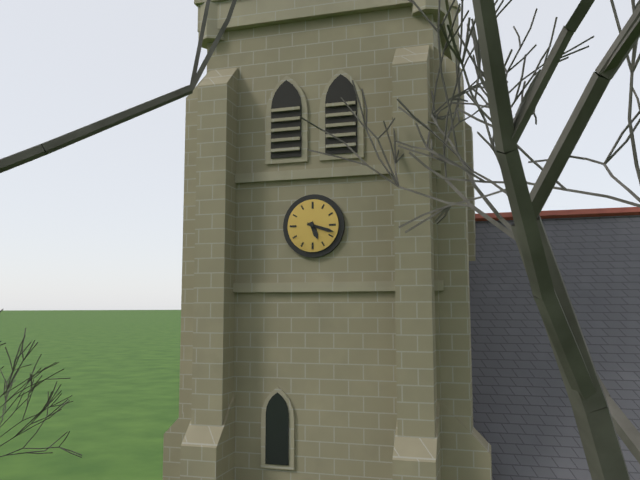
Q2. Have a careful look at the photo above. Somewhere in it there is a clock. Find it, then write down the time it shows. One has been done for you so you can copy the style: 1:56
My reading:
5:18
